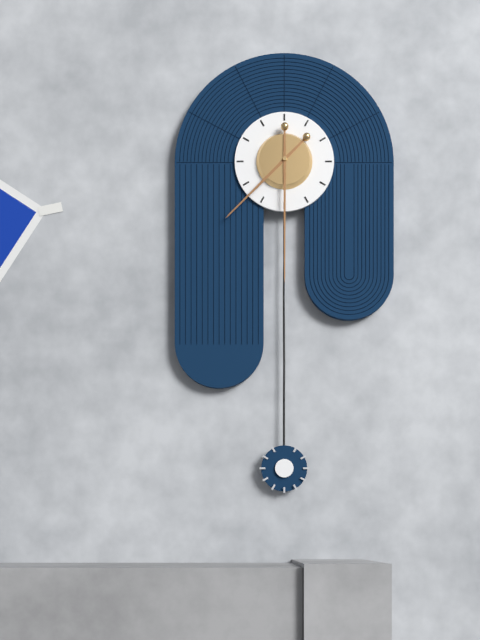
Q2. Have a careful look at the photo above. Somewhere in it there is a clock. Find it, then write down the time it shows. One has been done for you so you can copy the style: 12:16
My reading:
7:30
